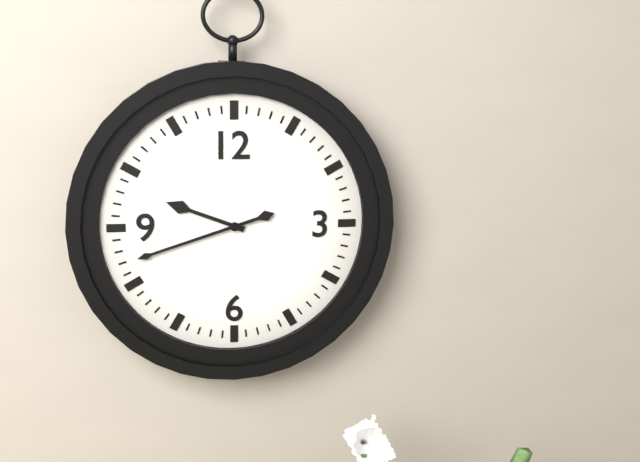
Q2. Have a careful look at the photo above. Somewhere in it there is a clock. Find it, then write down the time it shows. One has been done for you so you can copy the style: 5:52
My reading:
9:42
